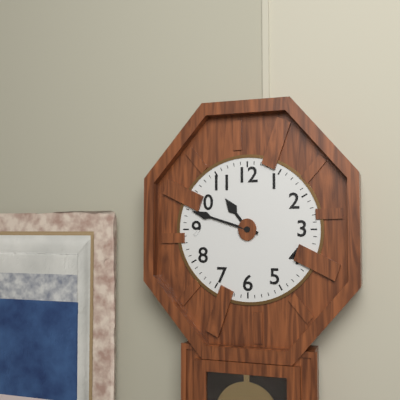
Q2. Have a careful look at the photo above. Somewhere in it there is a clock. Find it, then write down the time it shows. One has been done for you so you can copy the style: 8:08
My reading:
10:48
